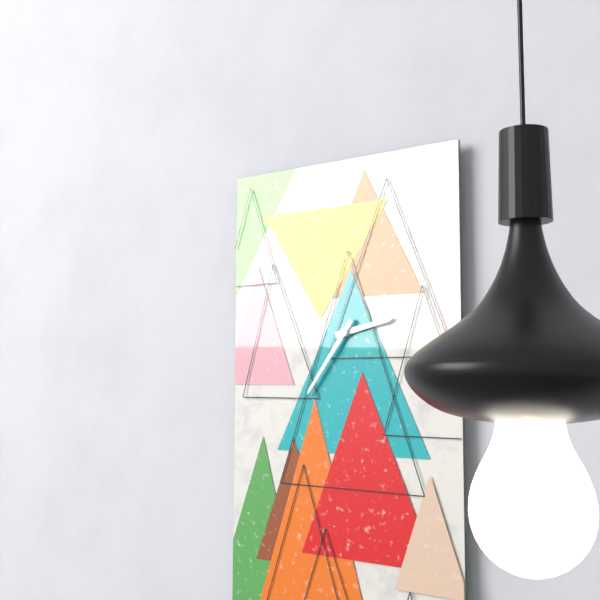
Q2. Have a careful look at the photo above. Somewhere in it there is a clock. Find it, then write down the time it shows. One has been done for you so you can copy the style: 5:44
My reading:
2:36
